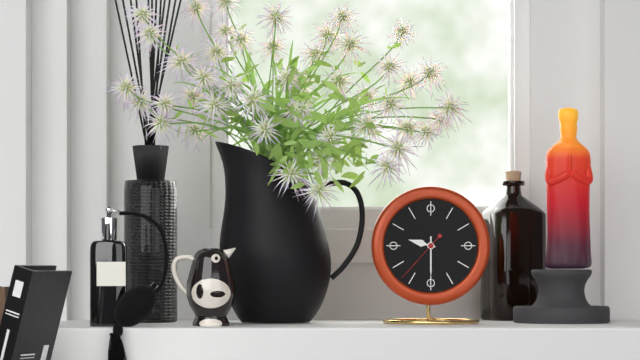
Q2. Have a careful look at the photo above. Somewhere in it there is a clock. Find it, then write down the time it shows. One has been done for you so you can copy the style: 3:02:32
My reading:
9:30:37
